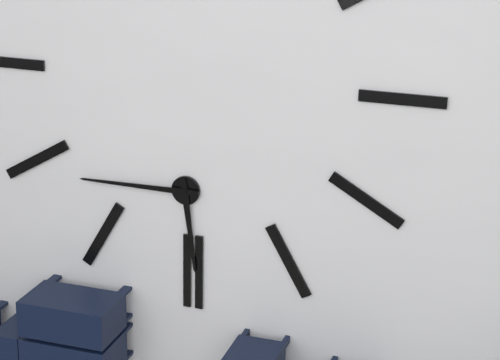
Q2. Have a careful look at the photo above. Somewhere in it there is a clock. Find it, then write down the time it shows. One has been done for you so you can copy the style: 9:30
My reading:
5:45
